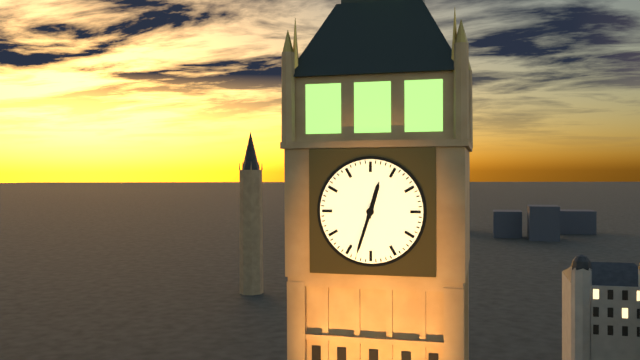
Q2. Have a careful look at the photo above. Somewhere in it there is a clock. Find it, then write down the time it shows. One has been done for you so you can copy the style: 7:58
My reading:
12:33
